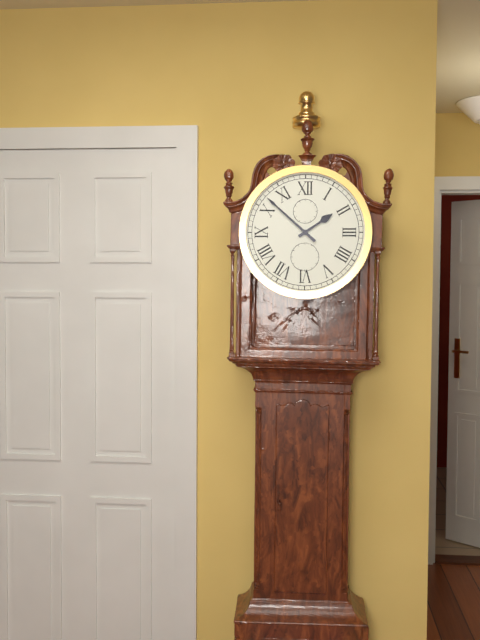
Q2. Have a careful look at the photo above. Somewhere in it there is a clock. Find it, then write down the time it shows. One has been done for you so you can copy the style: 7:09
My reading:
1:52
